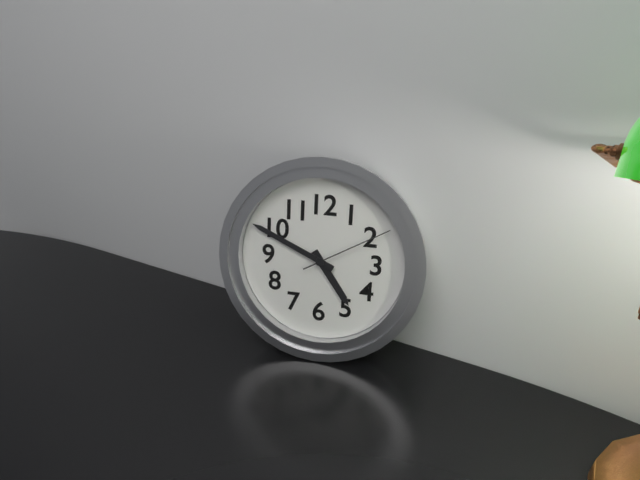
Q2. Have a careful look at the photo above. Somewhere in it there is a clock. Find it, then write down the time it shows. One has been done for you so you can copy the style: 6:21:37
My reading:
4:49:10
